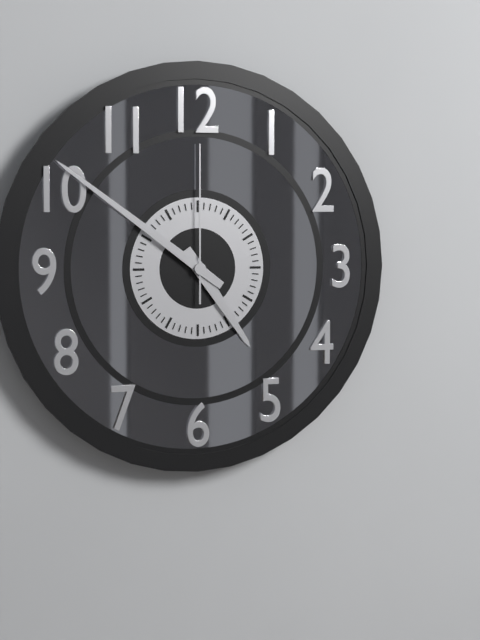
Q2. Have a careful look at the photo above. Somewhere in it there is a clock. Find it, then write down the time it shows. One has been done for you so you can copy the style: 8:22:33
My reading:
4:51:00
